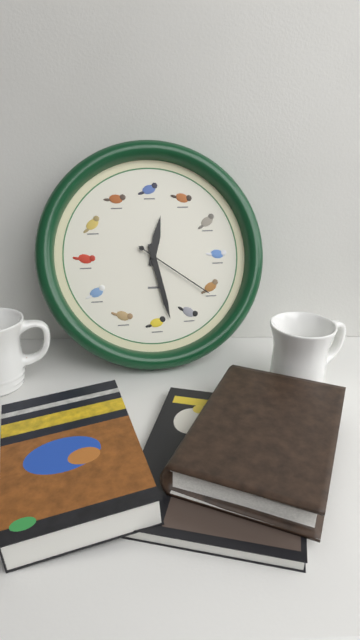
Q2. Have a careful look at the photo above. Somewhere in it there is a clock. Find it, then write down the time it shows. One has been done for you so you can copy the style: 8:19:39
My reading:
12:28:21
